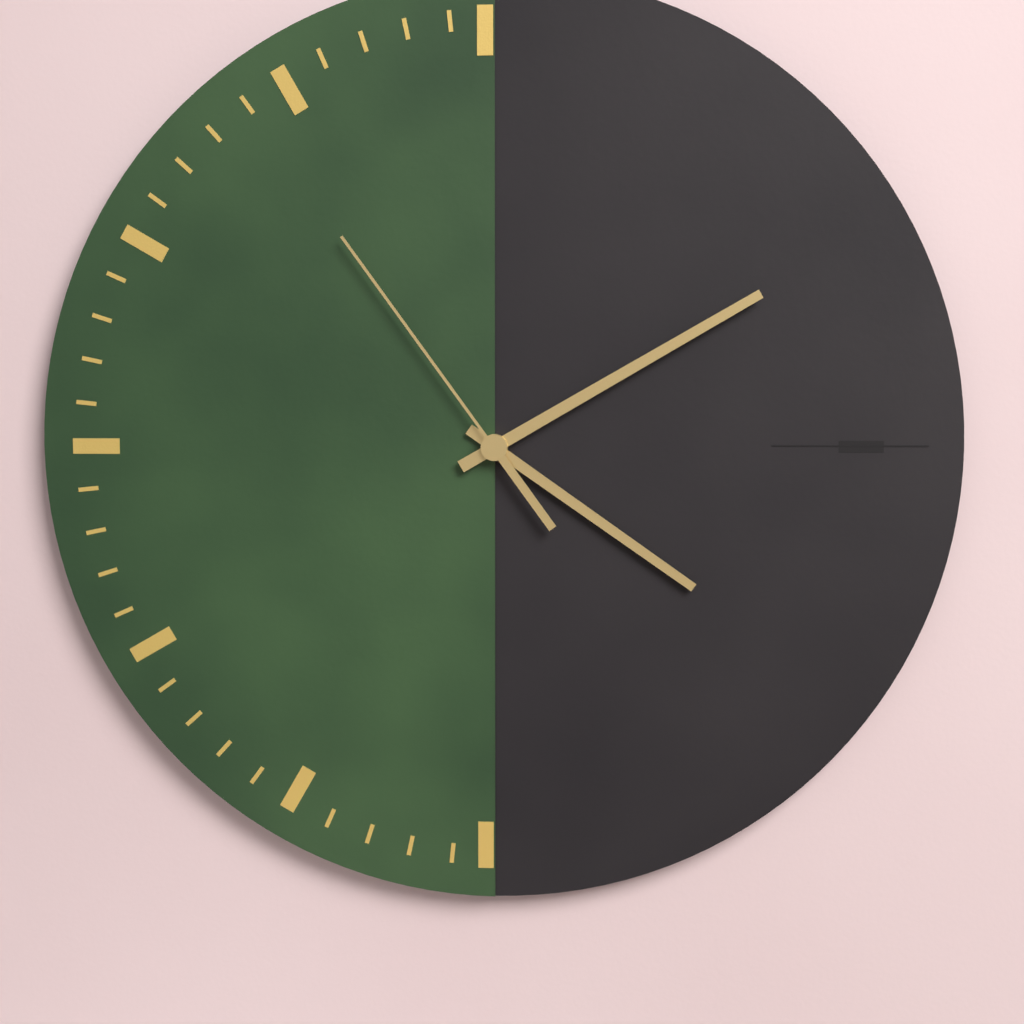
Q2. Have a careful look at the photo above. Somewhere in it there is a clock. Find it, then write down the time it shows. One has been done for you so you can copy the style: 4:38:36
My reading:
4:10:54
